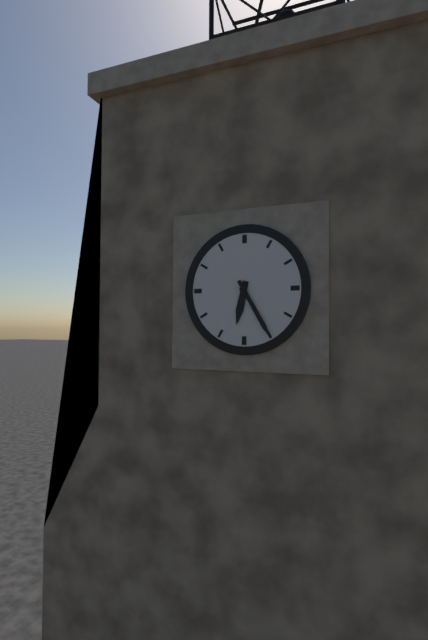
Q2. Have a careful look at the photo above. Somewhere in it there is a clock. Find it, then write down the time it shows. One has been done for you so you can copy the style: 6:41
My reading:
6:25
